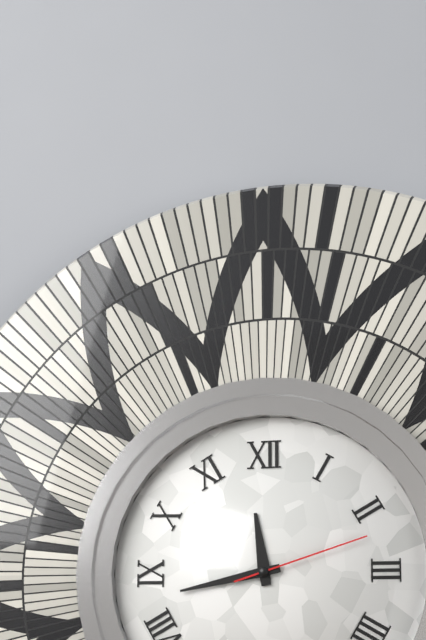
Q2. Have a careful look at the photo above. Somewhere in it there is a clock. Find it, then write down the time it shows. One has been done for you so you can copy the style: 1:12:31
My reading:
11:43:12
